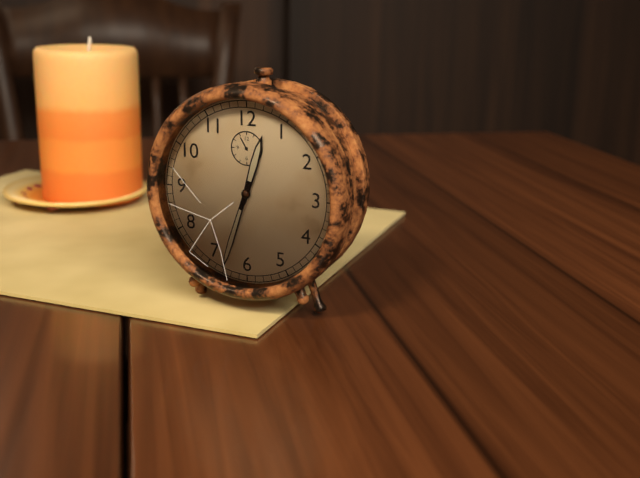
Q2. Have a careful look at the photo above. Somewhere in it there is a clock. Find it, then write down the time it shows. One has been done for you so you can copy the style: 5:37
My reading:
12:33
